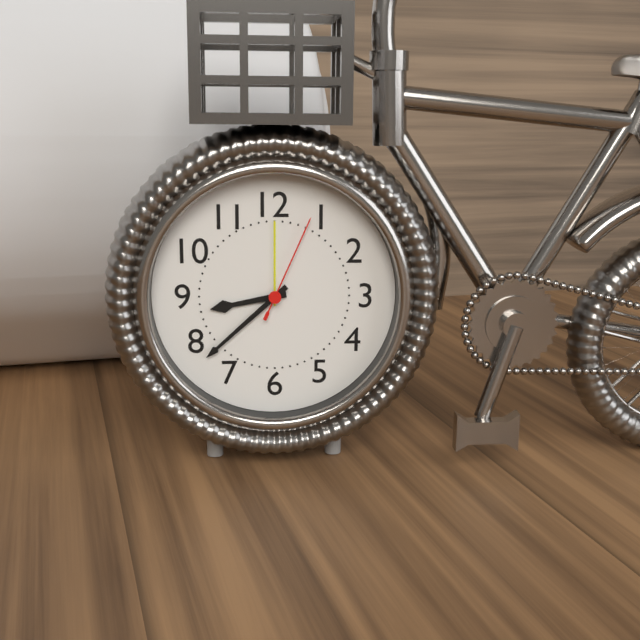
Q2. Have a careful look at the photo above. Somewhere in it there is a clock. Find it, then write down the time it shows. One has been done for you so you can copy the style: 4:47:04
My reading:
8:38:04
